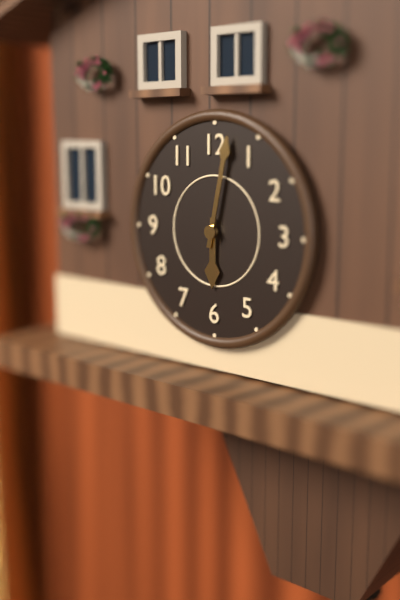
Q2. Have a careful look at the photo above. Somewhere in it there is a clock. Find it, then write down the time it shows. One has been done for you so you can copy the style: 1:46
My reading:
6:02
